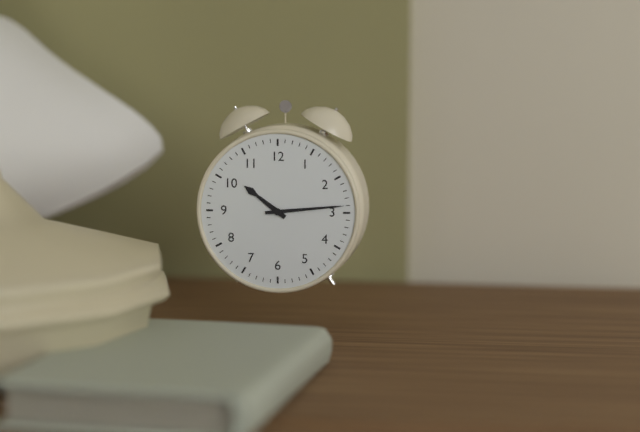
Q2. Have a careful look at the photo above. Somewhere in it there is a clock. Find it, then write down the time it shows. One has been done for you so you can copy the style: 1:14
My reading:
10:14
